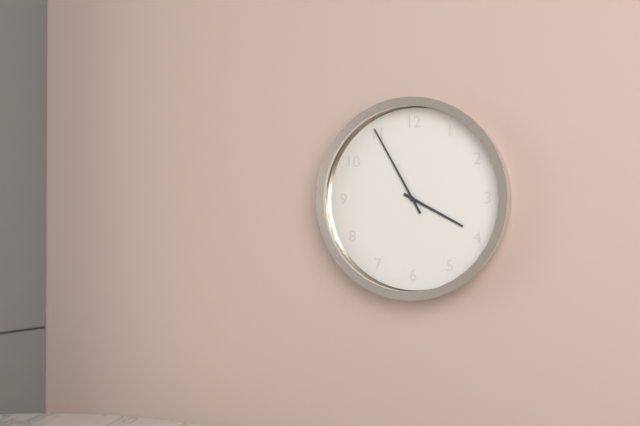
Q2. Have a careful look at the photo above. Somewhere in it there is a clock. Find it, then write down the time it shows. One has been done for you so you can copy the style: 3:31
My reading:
3:55
